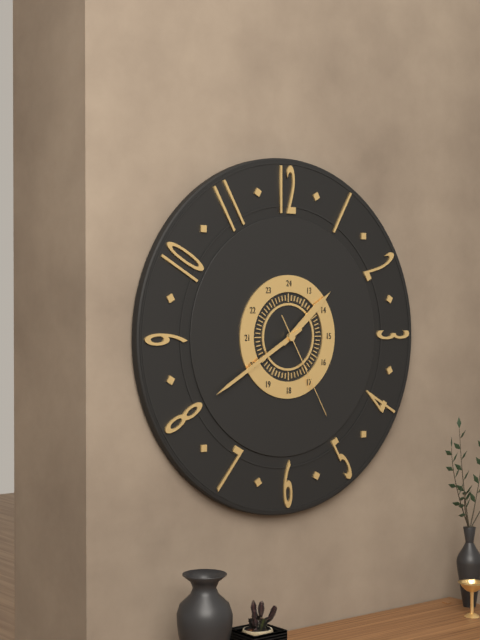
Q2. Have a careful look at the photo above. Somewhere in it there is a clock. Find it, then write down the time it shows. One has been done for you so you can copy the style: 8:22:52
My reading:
1:40:25
